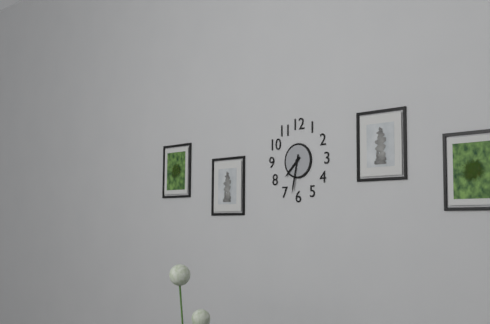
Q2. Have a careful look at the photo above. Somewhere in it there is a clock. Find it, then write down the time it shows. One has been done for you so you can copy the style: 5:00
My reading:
7:32
